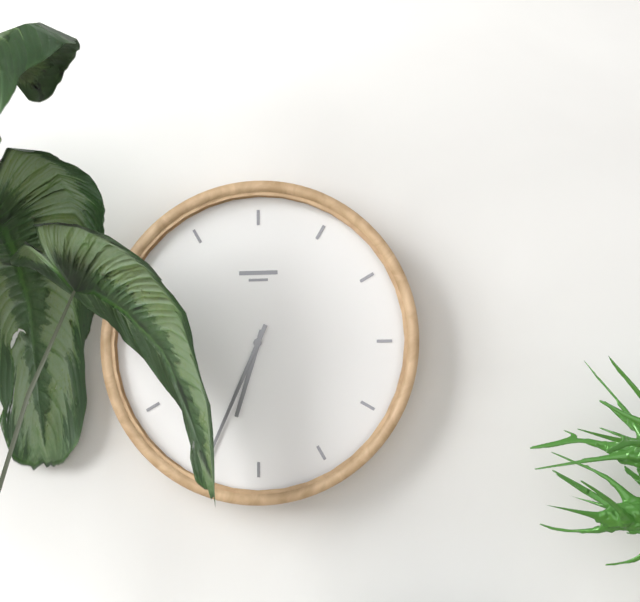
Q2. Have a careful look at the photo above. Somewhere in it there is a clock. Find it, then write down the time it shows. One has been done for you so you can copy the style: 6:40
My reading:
6:34
